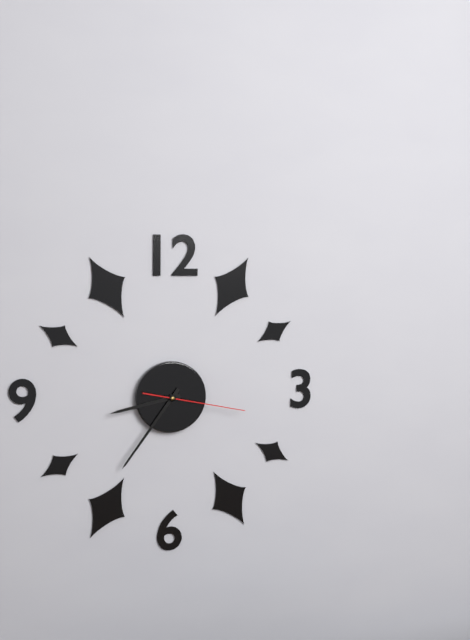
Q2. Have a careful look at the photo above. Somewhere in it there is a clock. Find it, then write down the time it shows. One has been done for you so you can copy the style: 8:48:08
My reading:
8:36:17
